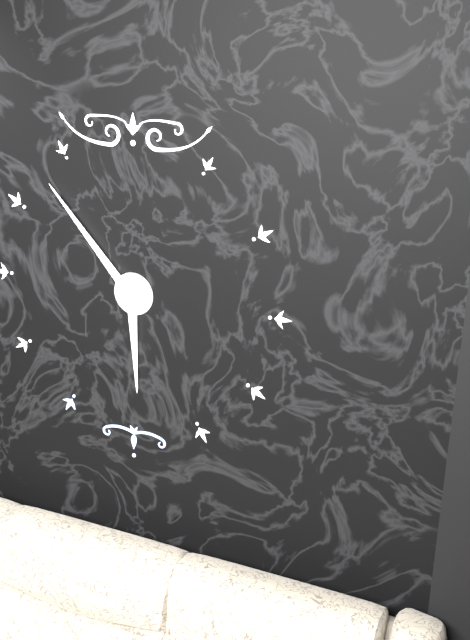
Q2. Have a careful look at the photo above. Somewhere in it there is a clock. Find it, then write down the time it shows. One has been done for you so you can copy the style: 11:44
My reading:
5:53
